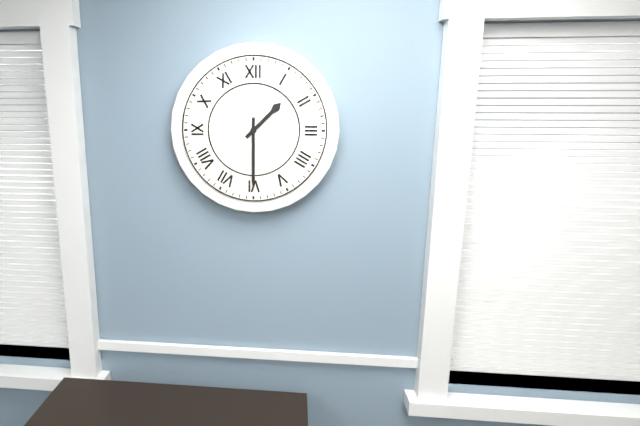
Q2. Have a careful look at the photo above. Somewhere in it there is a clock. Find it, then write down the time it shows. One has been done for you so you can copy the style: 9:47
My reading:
1:30
